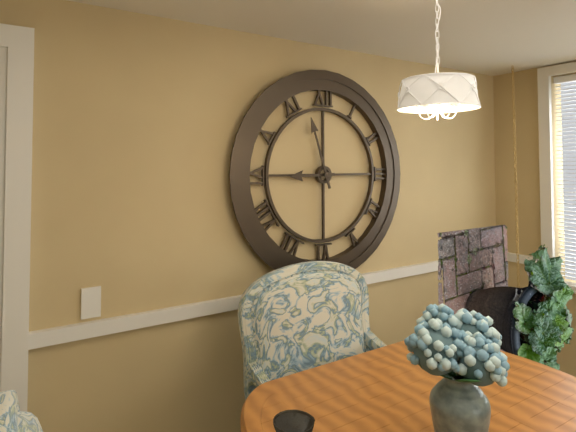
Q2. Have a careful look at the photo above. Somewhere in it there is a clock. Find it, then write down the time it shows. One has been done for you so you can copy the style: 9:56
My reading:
8:57
